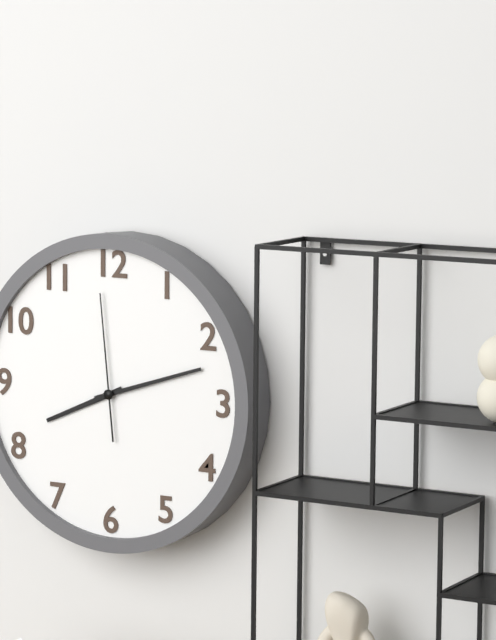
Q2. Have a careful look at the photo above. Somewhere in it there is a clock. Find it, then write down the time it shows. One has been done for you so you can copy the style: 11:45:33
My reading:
8:12:59
